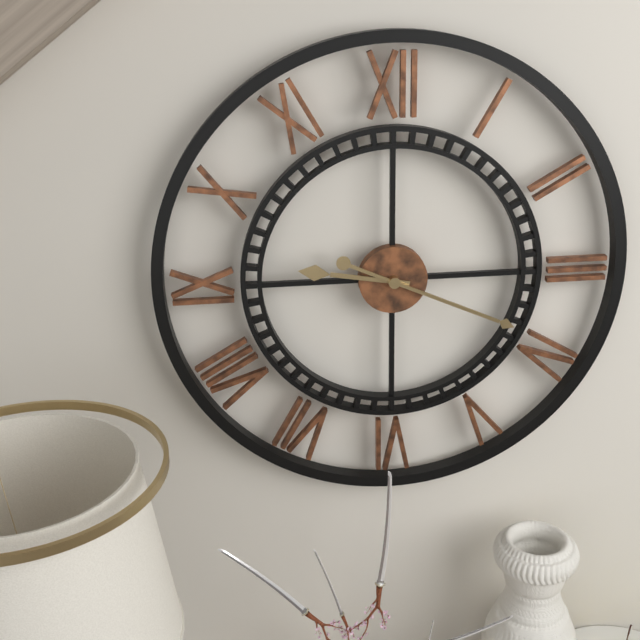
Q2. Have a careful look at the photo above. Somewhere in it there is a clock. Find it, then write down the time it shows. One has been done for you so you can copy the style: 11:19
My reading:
9:19
